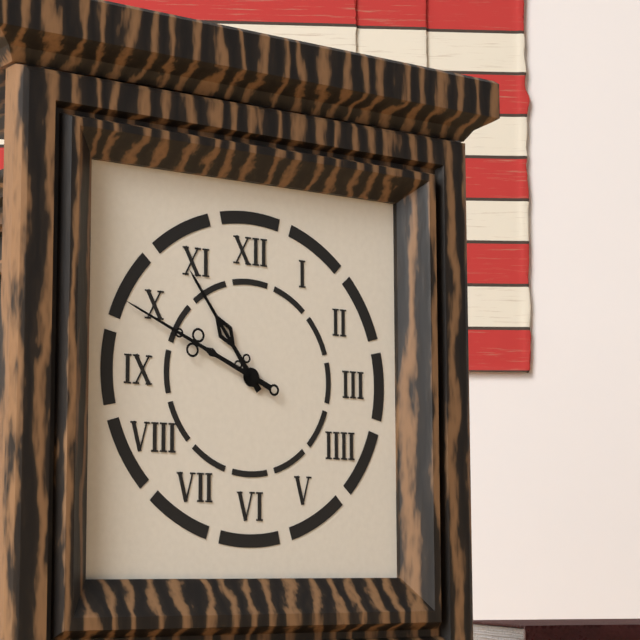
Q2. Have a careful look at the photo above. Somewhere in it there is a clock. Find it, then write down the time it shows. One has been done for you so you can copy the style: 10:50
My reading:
10:49
